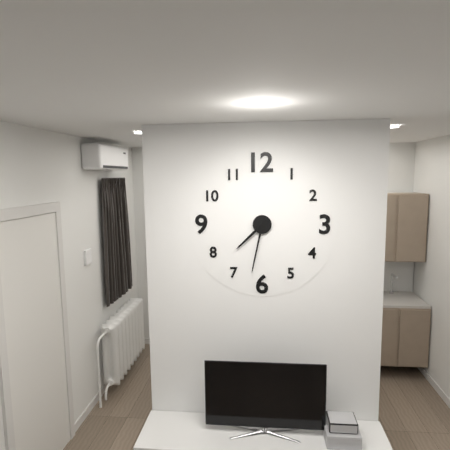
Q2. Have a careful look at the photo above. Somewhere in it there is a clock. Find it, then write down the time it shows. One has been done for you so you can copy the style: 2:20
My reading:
7:32
